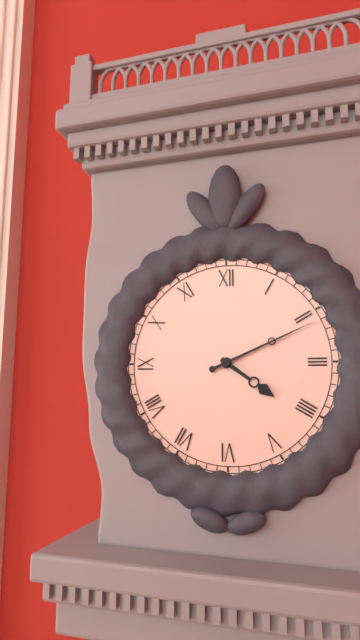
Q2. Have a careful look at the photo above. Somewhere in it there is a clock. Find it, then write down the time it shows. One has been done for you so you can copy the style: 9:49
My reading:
4:11
